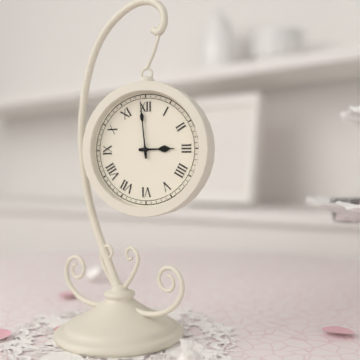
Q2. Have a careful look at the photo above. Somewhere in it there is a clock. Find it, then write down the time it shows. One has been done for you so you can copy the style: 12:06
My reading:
2:59
